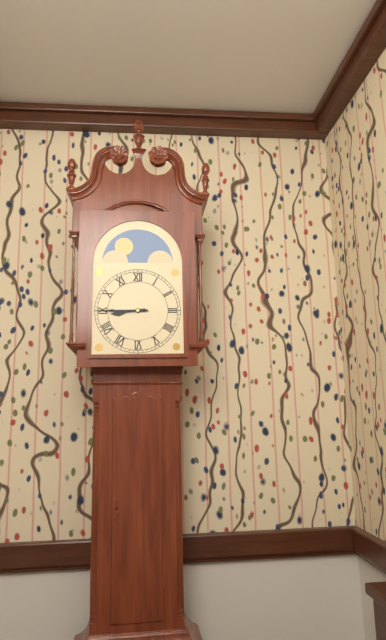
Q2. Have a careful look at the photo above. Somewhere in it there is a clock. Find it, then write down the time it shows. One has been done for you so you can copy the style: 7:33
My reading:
8:45
